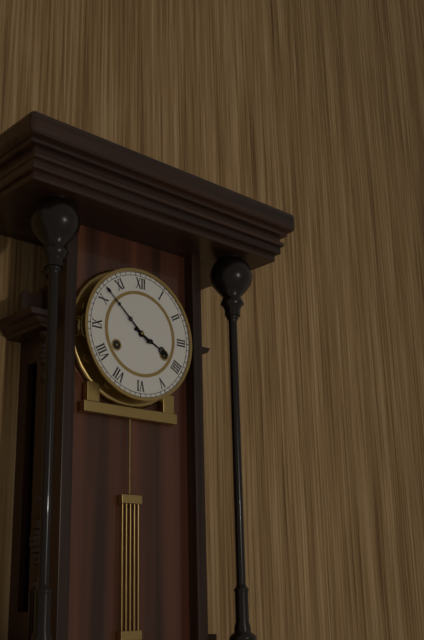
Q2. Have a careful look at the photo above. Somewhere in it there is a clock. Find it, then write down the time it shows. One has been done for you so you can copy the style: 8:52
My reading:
3:52
